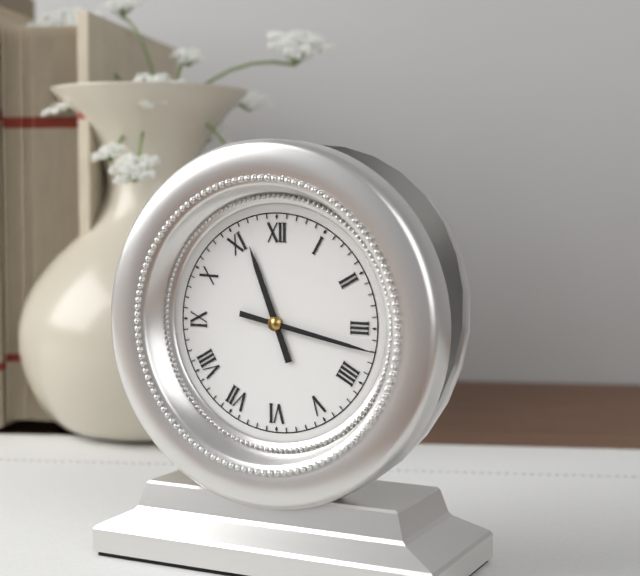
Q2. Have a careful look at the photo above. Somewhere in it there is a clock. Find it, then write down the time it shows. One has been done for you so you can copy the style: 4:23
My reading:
11:17
